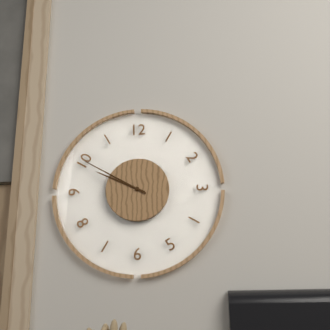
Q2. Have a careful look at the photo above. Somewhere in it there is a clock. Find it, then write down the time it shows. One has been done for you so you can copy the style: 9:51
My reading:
9:50
